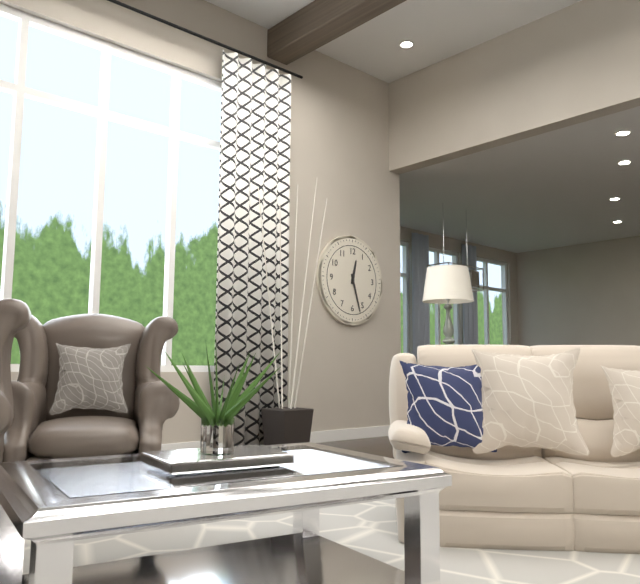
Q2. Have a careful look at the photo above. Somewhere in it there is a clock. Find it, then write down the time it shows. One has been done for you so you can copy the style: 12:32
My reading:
12:27
